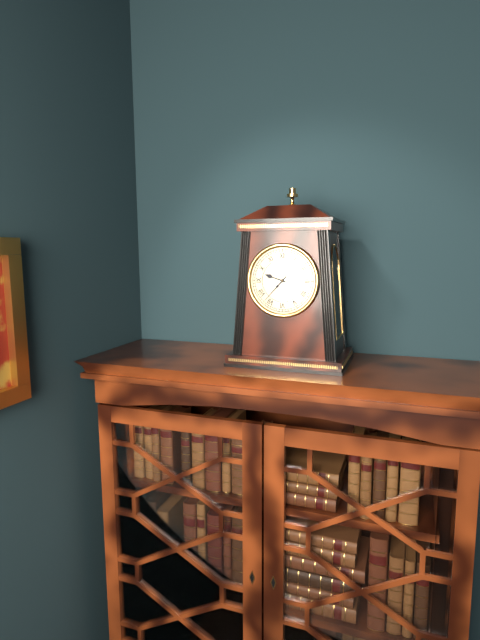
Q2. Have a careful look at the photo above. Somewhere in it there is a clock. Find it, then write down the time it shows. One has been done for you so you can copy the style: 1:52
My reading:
9:37
